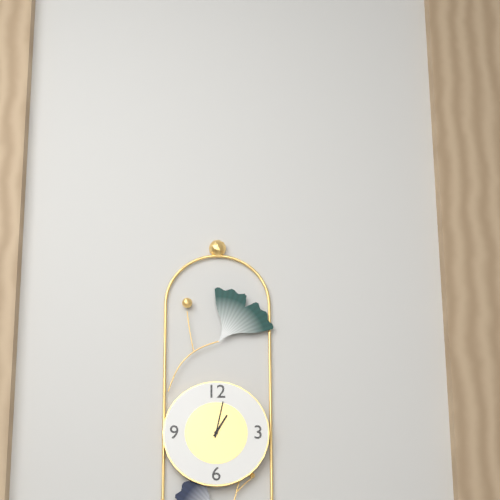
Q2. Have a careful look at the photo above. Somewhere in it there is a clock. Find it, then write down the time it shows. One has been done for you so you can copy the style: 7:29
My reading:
1:02
